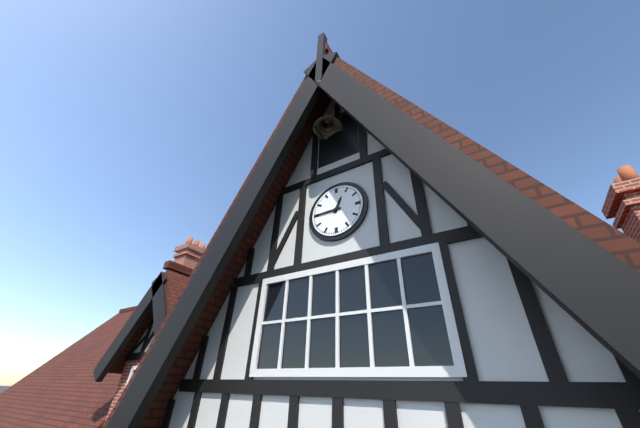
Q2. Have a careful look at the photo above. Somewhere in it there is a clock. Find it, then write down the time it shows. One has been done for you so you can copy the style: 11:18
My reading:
12:45
